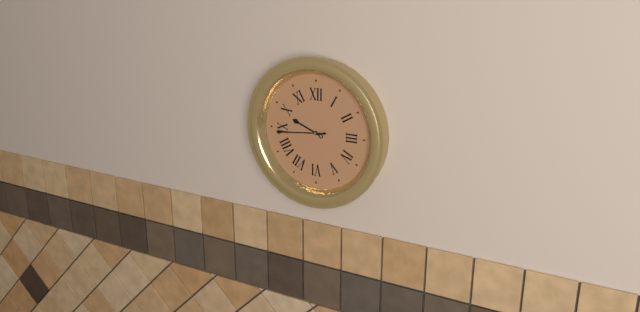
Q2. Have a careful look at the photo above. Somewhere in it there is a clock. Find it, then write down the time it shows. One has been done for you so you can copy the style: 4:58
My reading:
9:44
